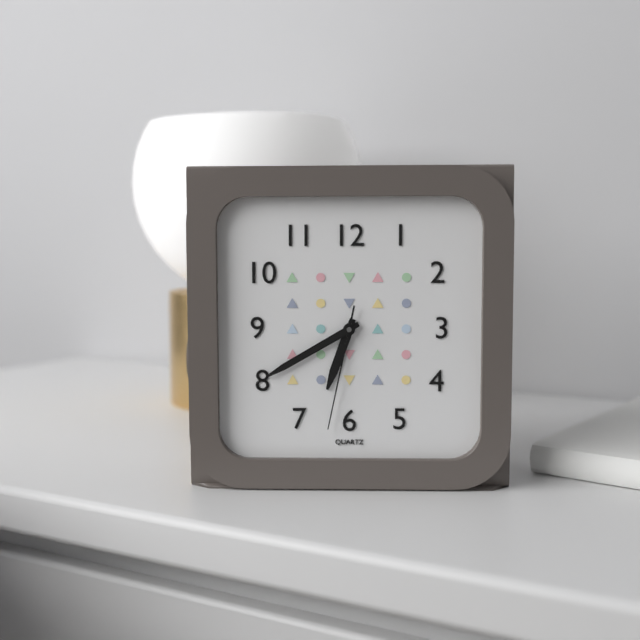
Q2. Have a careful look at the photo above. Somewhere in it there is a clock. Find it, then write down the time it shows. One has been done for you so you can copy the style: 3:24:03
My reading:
6:40:32
